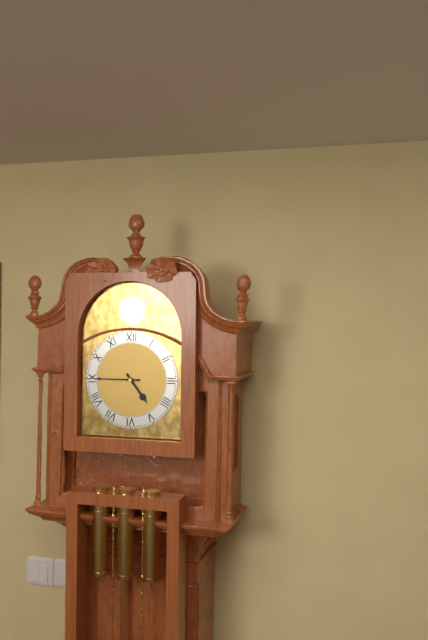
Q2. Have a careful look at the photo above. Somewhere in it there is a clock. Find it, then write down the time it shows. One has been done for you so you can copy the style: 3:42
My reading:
4:45
